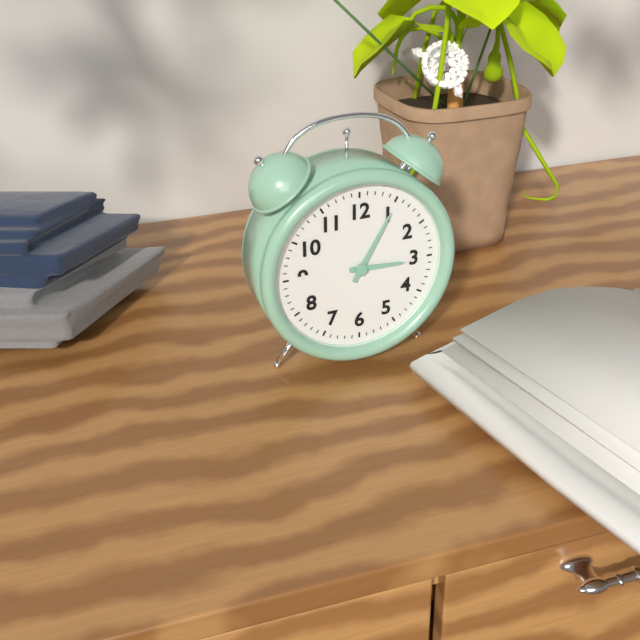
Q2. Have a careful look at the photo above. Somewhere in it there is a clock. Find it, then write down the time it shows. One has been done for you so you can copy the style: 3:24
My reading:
3:05
